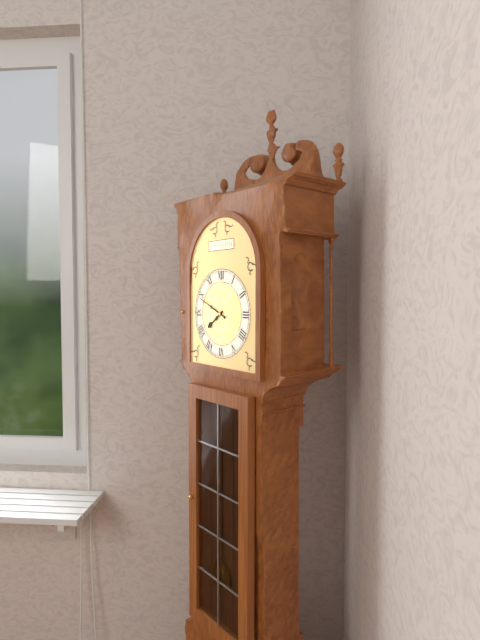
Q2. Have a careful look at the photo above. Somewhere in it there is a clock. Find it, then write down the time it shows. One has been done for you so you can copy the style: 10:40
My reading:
7:49
